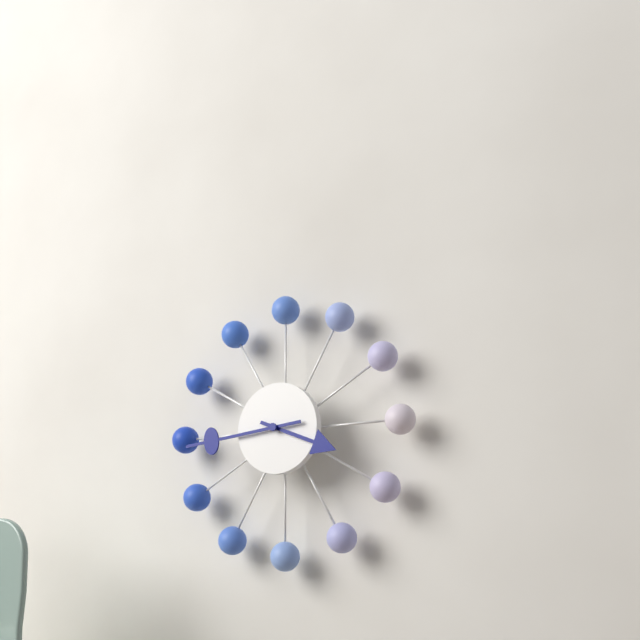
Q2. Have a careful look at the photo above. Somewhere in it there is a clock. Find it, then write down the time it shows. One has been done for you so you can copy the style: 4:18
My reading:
3:44
